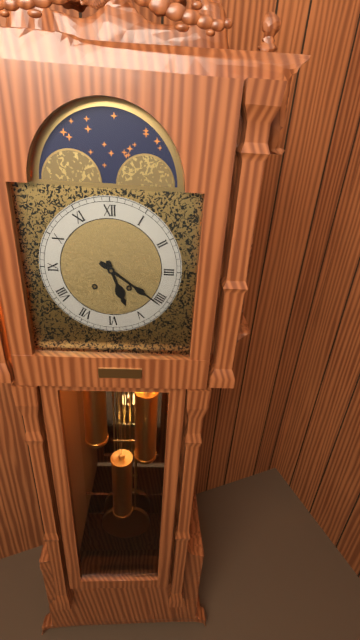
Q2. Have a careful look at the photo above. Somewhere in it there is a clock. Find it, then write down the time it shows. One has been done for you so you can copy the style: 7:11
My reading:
5:21
